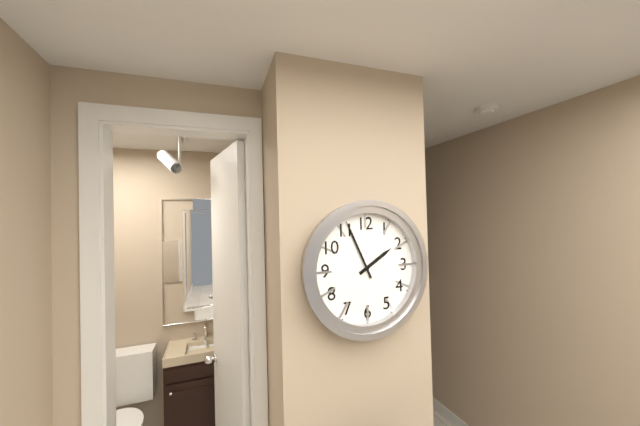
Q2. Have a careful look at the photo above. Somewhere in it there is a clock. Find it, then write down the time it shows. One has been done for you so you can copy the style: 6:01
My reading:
1:56
